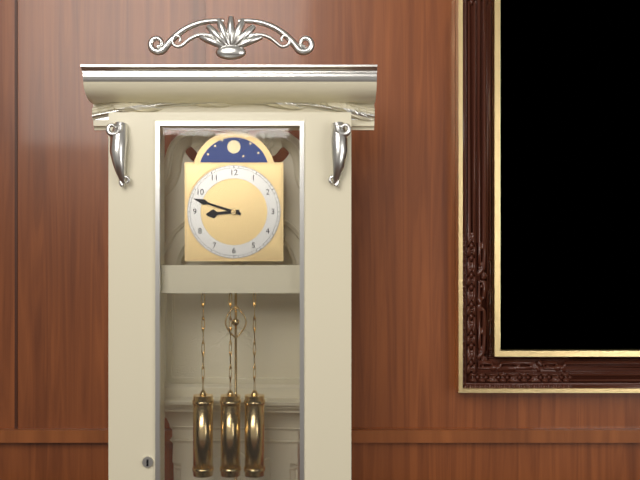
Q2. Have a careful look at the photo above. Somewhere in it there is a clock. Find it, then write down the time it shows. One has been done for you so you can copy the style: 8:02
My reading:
8:48
